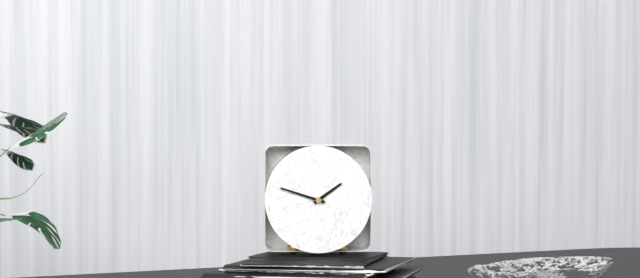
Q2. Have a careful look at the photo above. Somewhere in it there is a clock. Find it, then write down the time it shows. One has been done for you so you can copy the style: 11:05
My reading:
1:48
